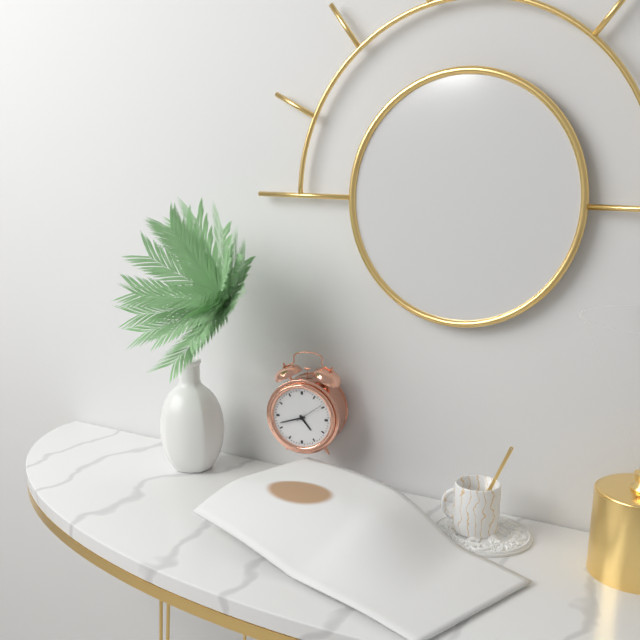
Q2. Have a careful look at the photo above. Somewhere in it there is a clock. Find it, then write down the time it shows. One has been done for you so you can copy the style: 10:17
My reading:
4:42
